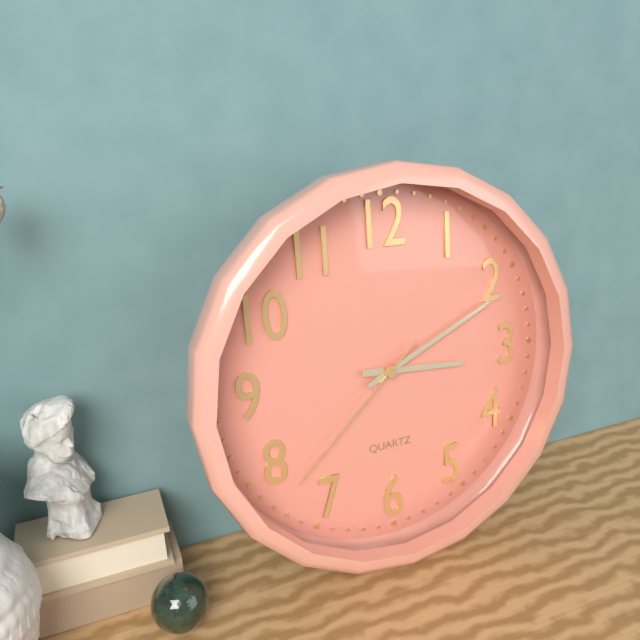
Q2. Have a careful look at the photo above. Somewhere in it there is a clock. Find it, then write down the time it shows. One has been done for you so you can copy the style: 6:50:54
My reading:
3:11:38
